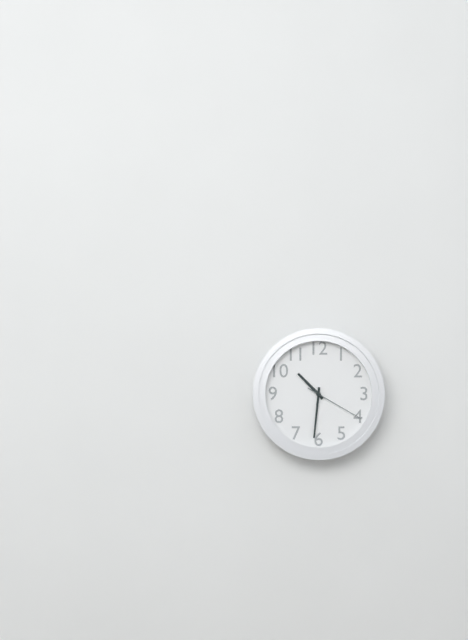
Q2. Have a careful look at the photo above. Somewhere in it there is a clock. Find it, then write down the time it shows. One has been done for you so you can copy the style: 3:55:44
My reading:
10:31:20
